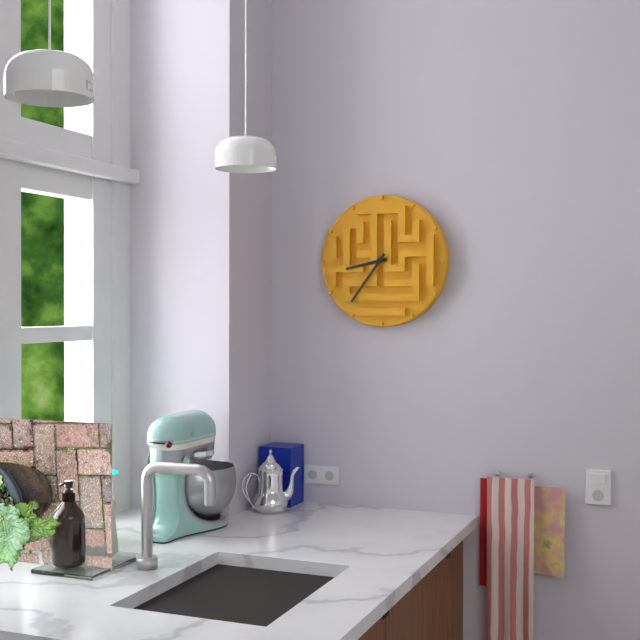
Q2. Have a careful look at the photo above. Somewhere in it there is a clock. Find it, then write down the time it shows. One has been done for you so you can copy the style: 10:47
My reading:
8:36
